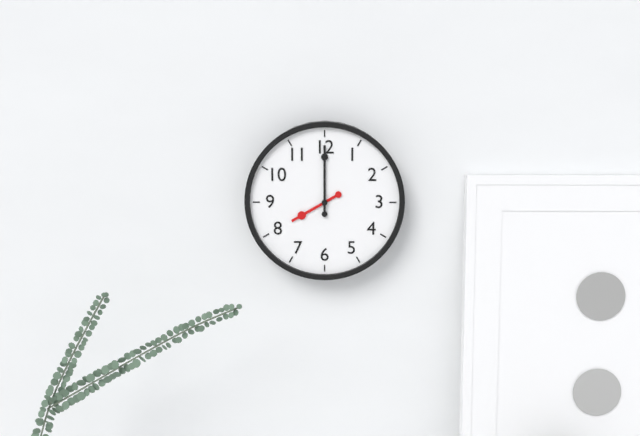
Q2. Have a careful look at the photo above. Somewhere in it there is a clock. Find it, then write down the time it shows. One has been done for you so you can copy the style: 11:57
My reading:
8:00
